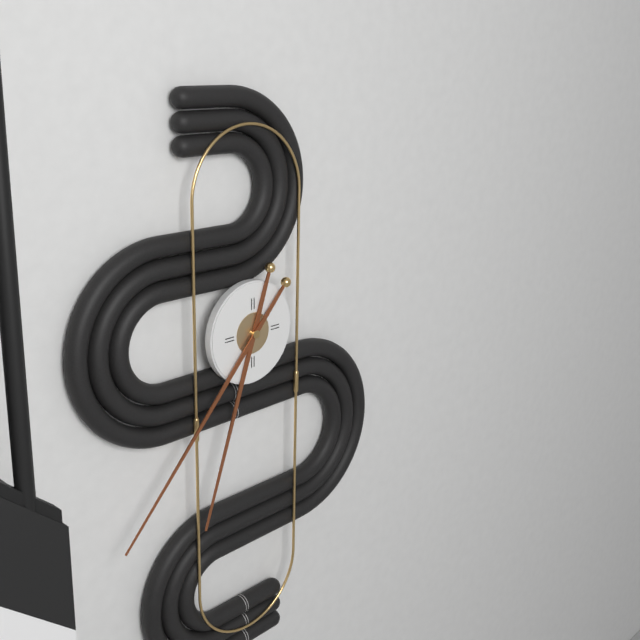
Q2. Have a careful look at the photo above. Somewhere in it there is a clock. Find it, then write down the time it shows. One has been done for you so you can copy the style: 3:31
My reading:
6:37
